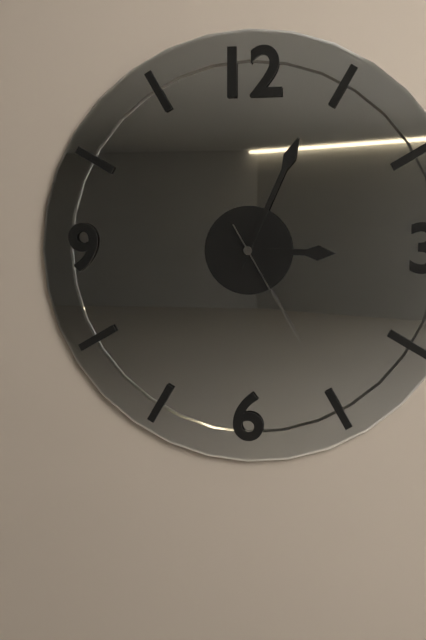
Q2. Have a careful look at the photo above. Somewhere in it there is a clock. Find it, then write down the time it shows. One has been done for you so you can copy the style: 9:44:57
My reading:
3:04:25
